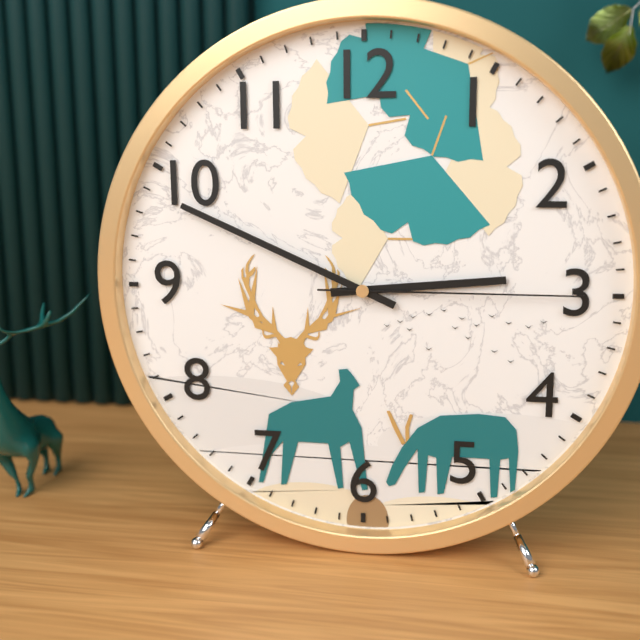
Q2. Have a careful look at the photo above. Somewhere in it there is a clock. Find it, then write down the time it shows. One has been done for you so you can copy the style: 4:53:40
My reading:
2:49:15
